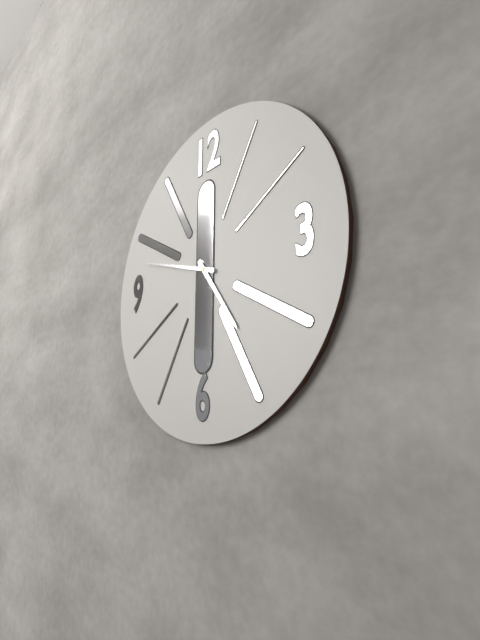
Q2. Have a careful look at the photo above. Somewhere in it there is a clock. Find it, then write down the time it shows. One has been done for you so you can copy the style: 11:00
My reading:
4:48
